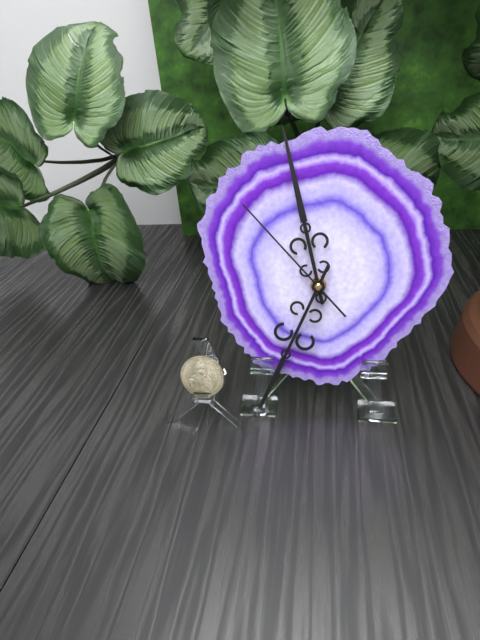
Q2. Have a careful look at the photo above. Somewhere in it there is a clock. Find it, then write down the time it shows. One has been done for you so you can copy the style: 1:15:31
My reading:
11:34:53
